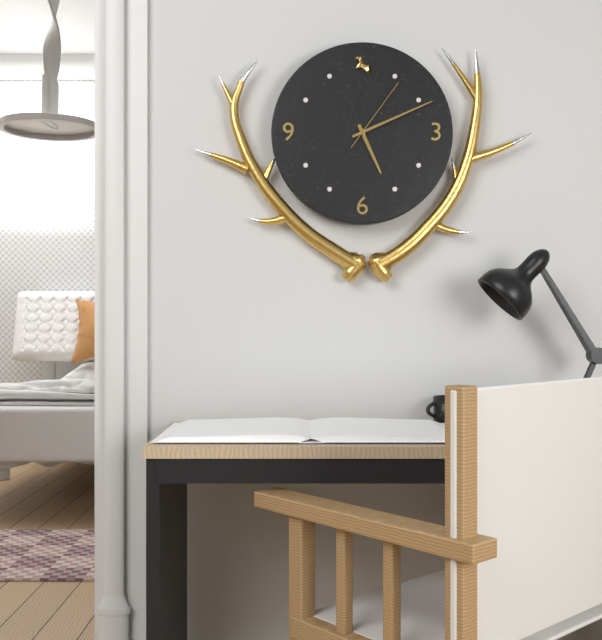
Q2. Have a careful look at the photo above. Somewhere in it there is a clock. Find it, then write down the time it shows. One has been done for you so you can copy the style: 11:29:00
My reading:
5:11:06
